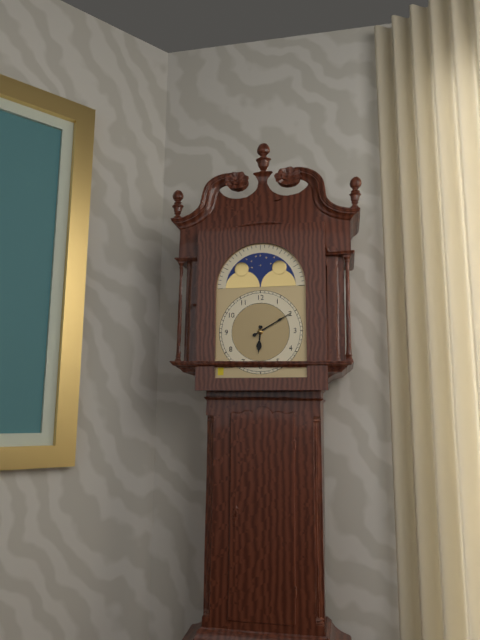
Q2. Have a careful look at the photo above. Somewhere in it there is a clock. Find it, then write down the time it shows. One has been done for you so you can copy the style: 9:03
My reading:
6:10
